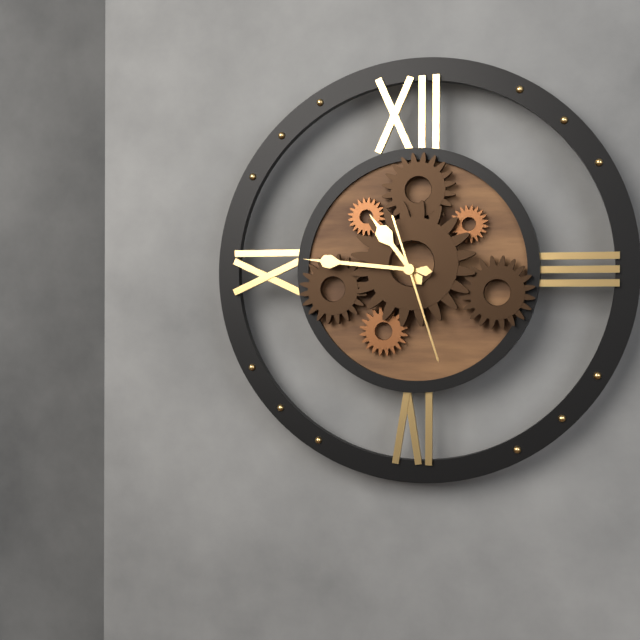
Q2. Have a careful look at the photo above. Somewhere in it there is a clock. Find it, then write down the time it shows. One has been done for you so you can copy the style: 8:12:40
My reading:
10:46:27
